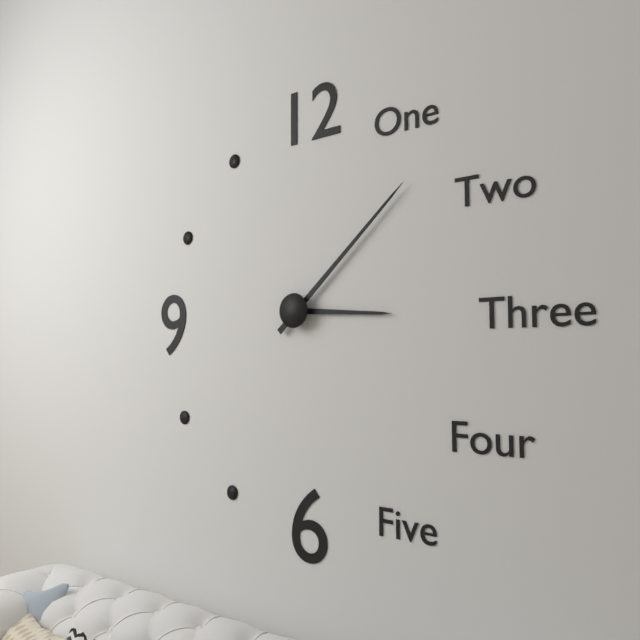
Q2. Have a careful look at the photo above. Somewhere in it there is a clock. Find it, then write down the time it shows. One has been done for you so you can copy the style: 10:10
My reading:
3:08
